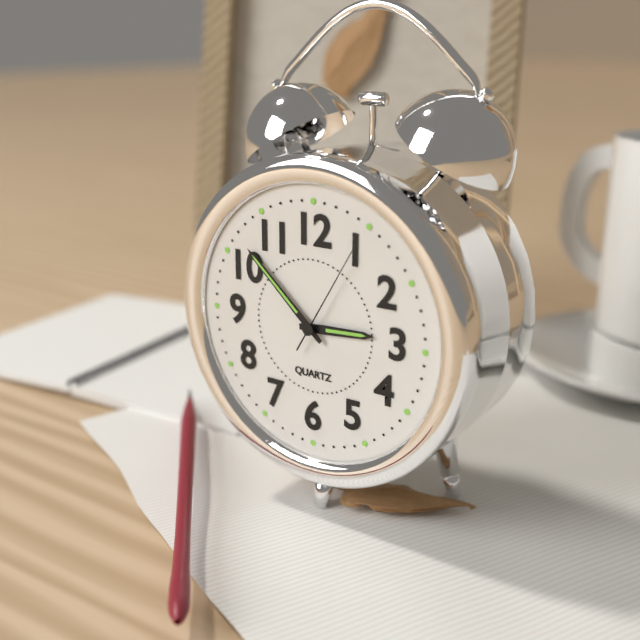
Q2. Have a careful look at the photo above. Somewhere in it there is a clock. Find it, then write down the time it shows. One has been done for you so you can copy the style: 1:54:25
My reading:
2:52:05
